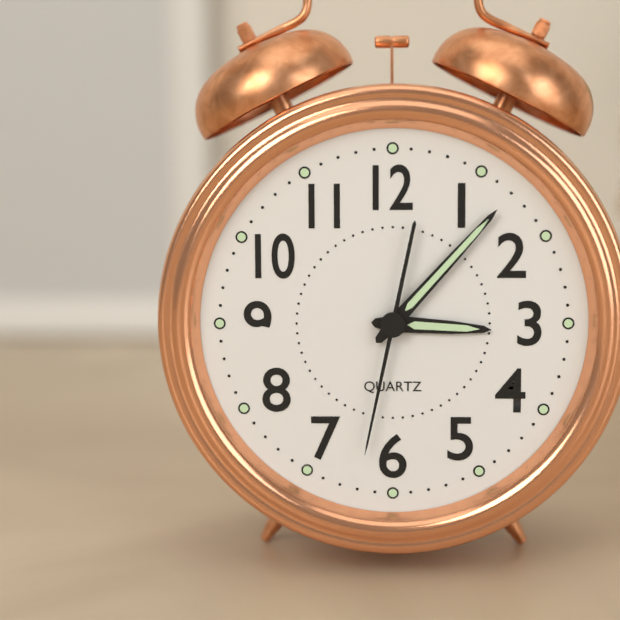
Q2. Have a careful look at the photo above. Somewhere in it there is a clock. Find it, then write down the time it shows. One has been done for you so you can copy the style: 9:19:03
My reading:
3:07:32
